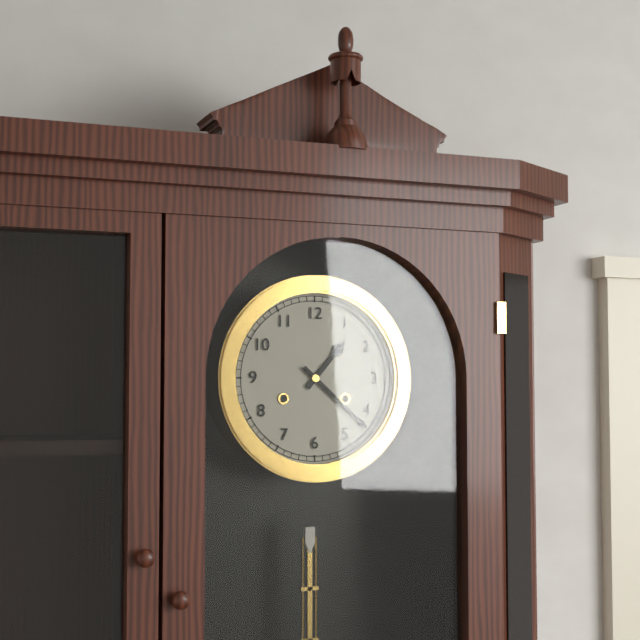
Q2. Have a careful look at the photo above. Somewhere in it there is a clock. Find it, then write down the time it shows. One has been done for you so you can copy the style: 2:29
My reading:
1:22
